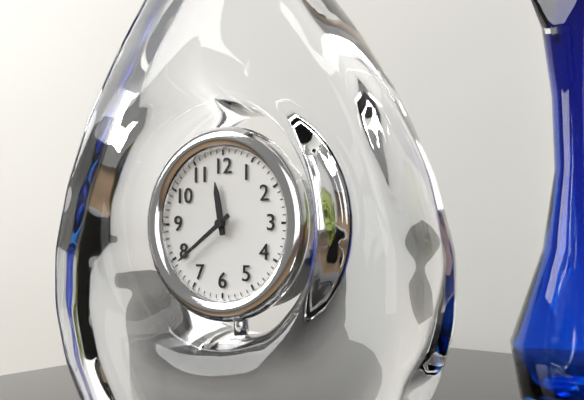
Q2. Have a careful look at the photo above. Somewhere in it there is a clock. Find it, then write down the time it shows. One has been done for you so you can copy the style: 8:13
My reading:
11:39
